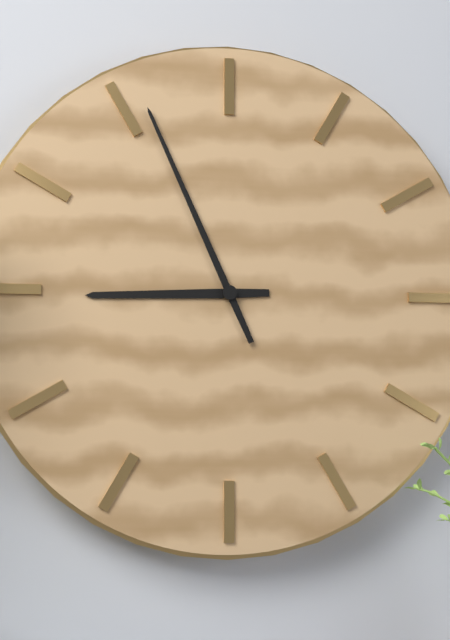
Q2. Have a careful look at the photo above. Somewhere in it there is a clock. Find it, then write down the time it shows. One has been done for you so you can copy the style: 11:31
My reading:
8:56
